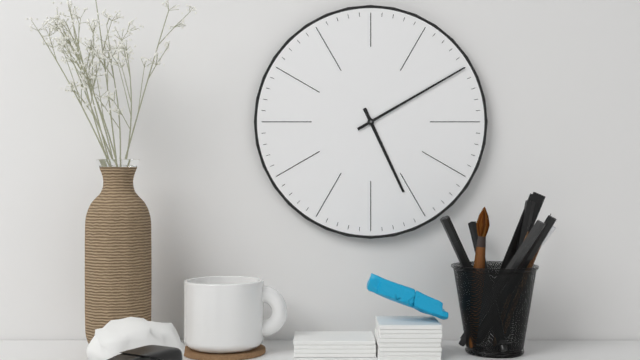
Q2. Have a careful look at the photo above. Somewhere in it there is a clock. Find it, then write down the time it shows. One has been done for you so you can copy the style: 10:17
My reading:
5:10
